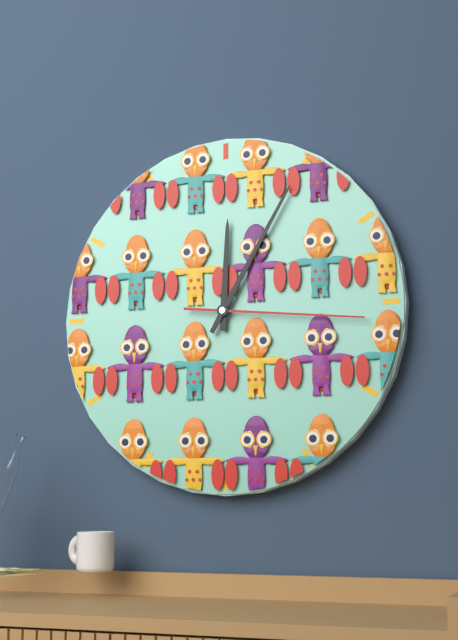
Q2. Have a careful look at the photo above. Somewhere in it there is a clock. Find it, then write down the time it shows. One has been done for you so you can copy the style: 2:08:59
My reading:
12:05:16
